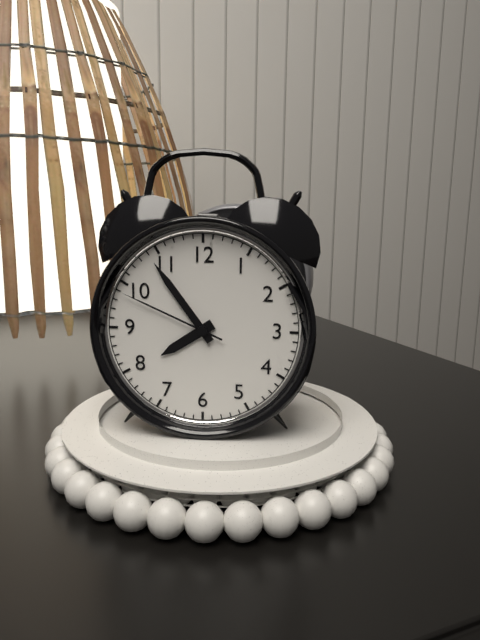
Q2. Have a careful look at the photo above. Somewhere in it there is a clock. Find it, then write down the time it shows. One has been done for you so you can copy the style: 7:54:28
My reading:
7:54:49
